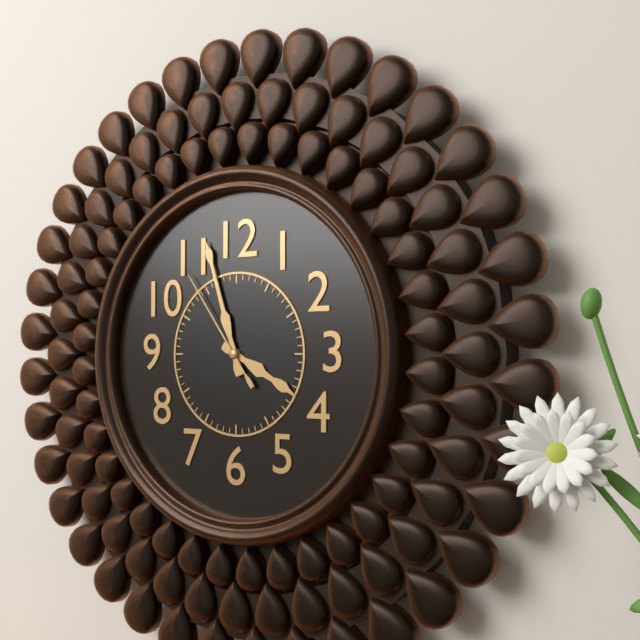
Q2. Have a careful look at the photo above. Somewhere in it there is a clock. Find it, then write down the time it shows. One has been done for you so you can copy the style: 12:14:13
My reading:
3:57:54
